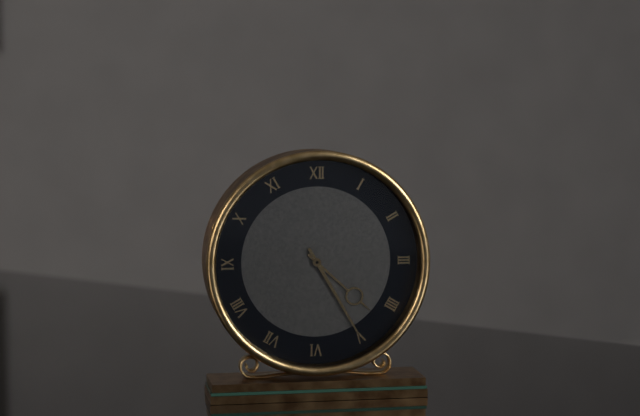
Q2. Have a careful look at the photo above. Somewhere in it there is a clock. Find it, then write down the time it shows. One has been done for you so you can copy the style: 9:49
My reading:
4:25
